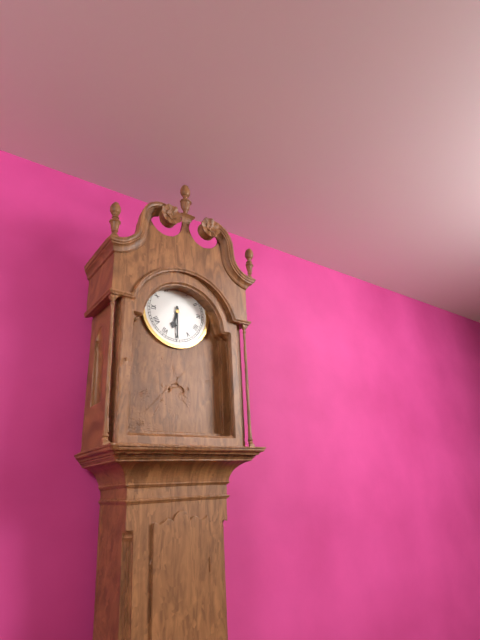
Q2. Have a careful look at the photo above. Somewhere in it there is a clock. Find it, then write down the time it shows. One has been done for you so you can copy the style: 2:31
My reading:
6:30
